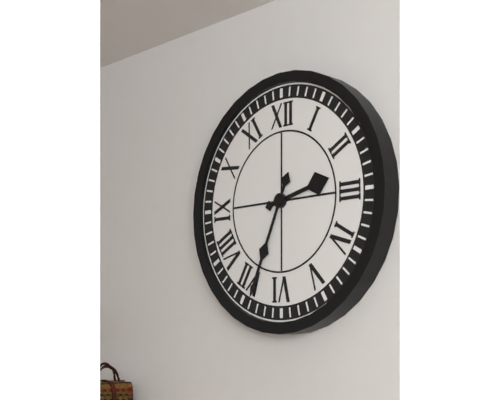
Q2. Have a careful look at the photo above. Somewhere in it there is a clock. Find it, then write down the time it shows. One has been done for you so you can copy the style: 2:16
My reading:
2:34
